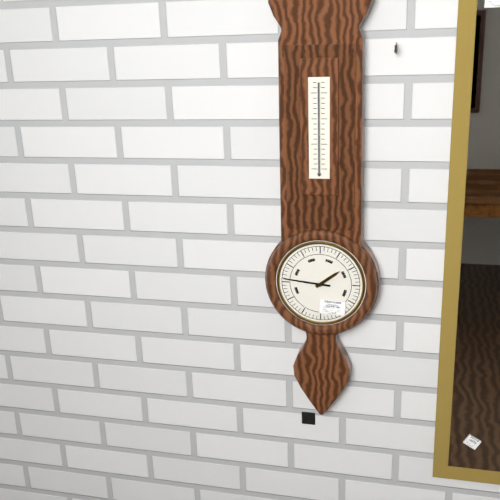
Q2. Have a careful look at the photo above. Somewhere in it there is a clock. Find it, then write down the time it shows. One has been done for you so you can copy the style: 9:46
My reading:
1:46
